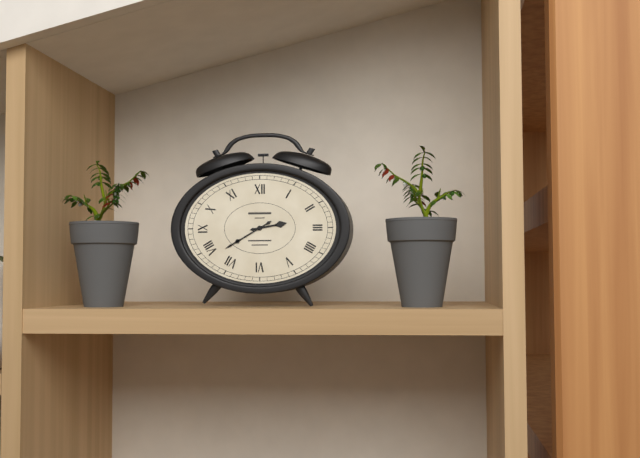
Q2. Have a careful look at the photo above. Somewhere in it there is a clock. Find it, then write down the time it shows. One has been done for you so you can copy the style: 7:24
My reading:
2:40
